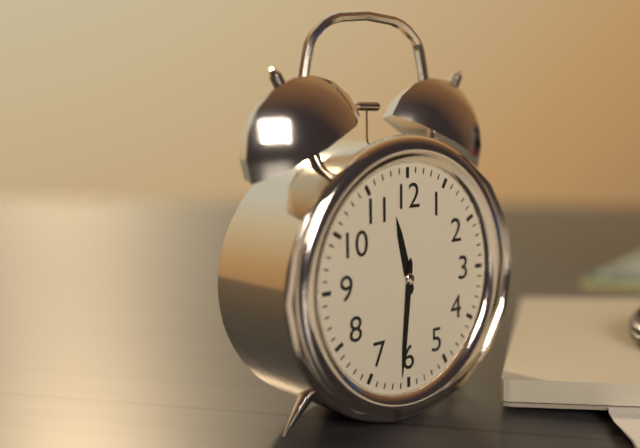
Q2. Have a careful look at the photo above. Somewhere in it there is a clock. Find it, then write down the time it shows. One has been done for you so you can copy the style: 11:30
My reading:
11:31
